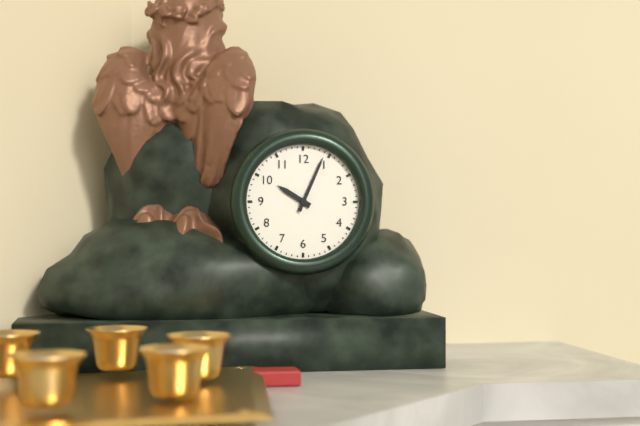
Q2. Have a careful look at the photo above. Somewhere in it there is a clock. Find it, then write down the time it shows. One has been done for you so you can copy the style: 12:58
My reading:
10:04
